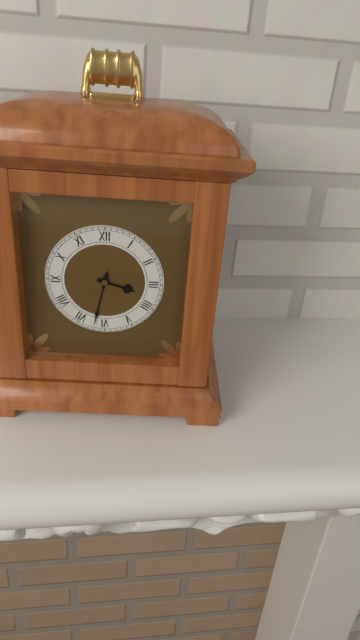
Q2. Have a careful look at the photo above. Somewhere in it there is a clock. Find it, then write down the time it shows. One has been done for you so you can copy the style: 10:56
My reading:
3:32
